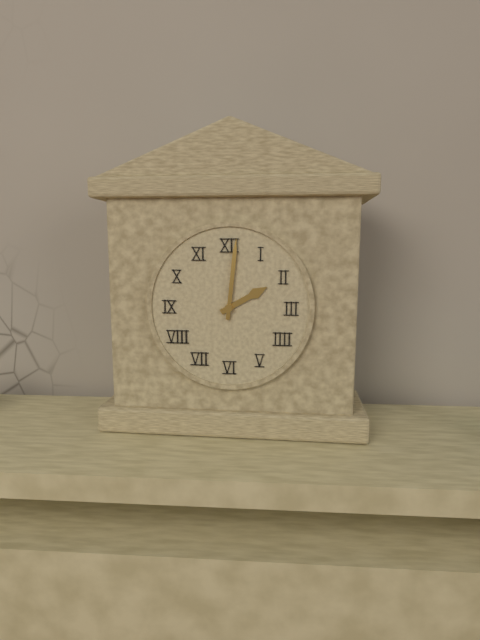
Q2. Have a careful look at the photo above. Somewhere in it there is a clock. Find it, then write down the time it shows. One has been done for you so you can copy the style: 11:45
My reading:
2:01
